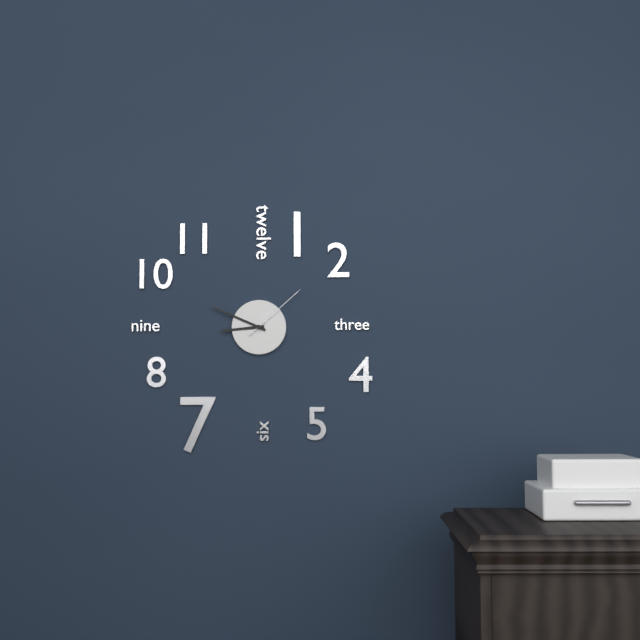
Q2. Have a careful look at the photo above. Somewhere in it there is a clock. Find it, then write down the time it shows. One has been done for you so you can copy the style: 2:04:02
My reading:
8:49:08
